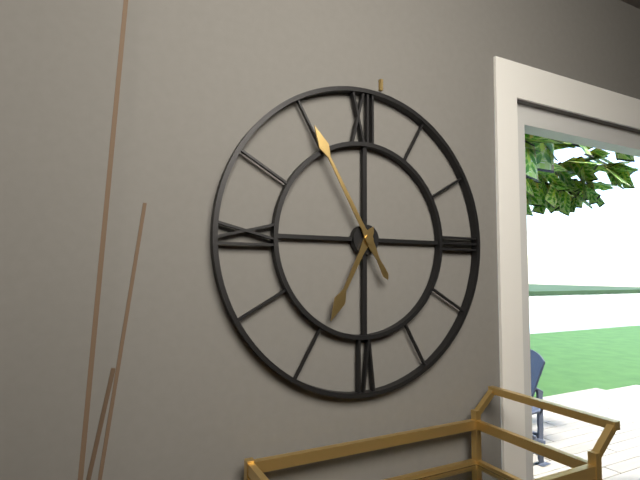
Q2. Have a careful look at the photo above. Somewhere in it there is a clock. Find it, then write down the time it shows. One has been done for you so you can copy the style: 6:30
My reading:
6:55
